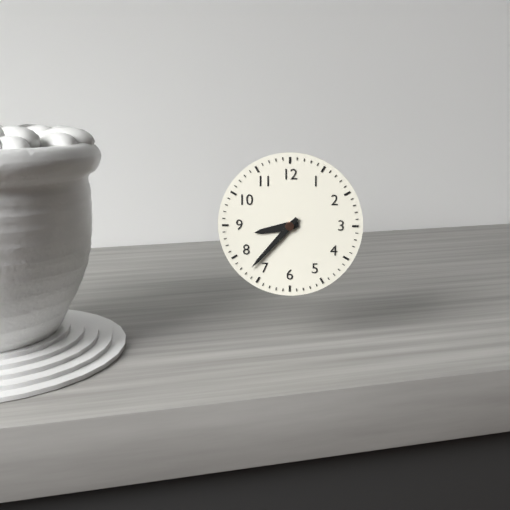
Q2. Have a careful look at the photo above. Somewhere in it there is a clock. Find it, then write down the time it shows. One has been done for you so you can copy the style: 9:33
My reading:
8:37
